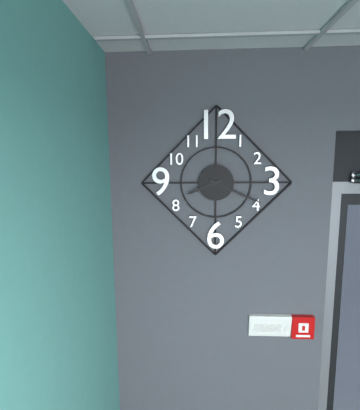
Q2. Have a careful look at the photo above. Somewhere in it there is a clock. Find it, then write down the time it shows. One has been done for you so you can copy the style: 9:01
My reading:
8:19
